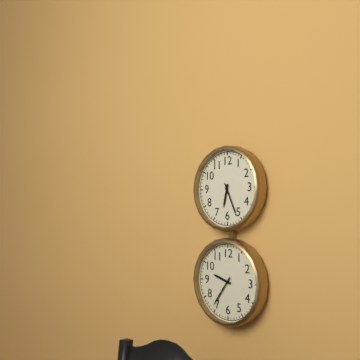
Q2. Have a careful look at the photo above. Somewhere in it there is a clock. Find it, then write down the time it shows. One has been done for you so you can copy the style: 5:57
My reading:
6:26
